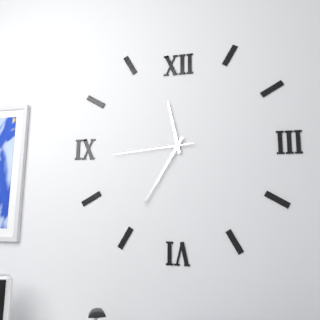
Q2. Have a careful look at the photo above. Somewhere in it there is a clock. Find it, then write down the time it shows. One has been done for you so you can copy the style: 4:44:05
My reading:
11:35:44
